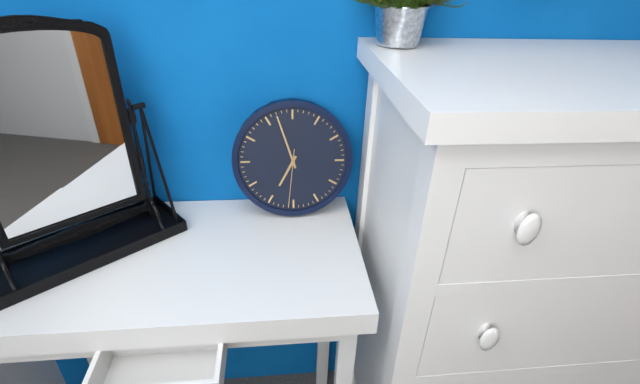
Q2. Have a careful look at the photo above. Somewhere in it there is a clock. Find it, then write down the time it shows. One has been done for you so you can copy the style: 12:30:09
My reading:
6:57:31
